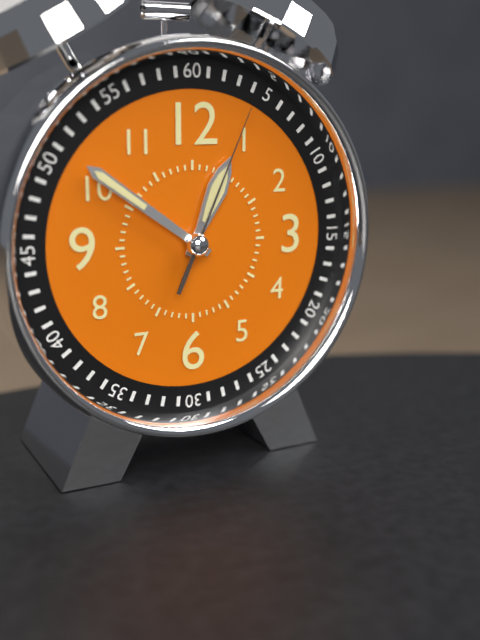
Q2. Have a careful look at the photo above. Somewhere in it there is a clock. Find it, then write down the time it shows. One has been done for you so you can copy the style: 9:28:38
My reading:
12:51:04
